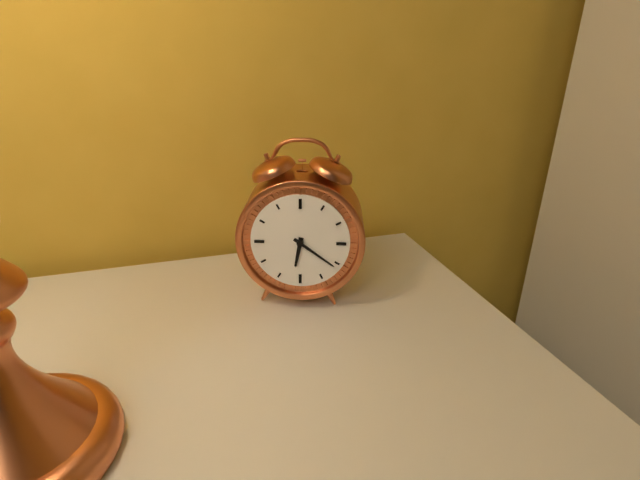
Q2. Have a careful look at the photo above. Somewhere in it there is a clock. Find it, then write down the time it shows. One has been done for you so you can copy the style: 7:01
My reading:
6:21
